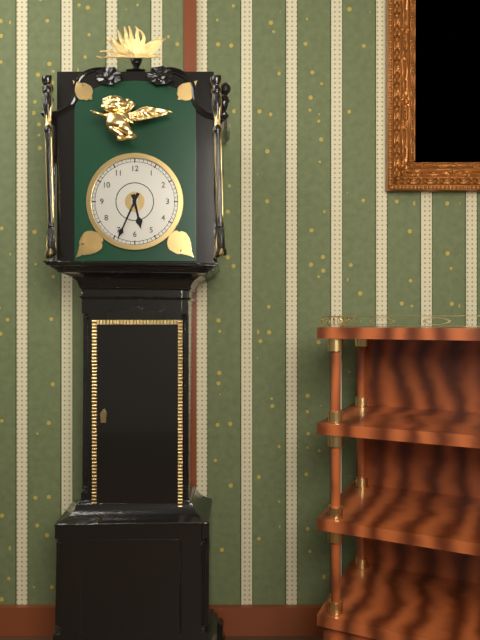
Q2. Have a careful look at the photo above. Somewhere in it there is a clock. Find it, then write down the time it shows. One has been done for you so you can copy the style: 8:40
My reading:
5:34
